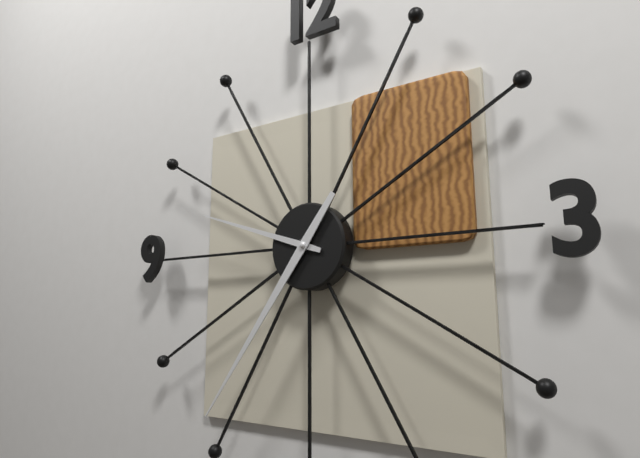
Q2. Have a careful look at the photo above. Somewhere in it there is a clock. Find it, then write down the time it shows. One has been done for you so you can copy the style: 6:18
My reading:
9:36
